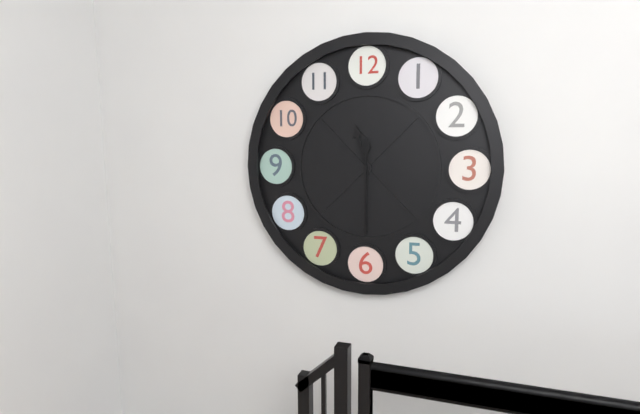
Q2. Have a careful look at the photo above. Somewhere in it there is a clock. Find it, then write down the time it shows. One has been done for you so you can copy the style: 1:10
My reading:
11:30
